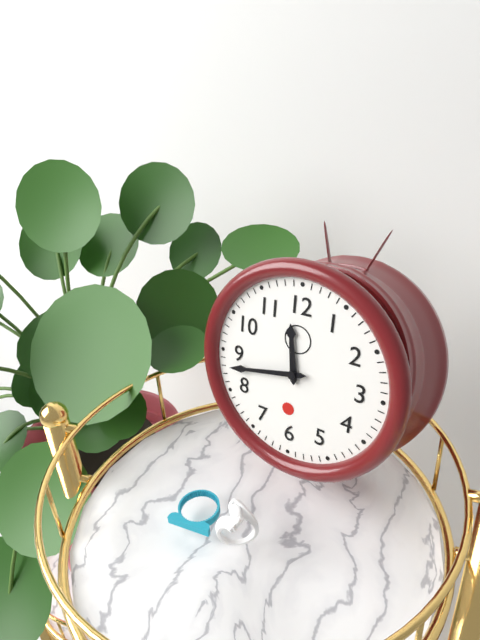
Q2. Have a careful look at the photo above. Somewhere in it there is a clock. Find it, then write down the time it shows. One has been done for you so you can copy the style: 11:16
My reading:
11:43
